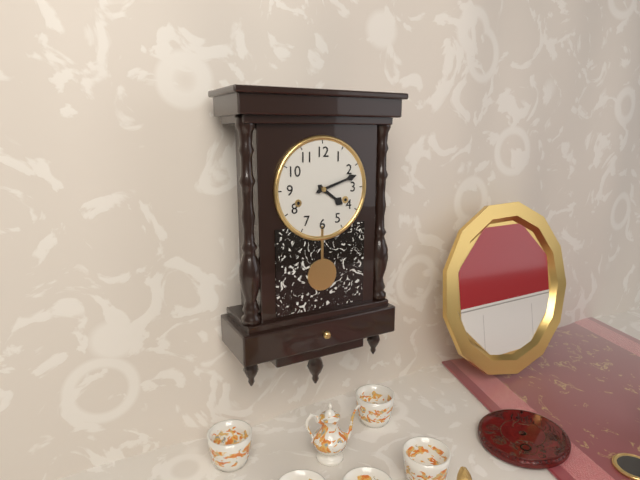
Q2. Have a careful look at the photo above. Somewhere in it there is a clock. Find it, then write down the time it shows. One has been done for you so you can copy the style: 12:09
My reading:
4:12
